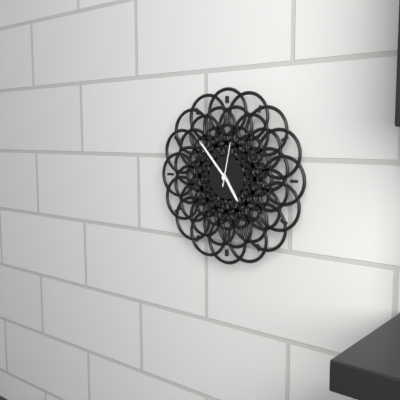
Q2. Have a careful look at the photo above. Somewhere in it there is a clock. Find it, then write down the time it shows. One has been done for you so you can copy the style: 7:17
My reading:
4:53
